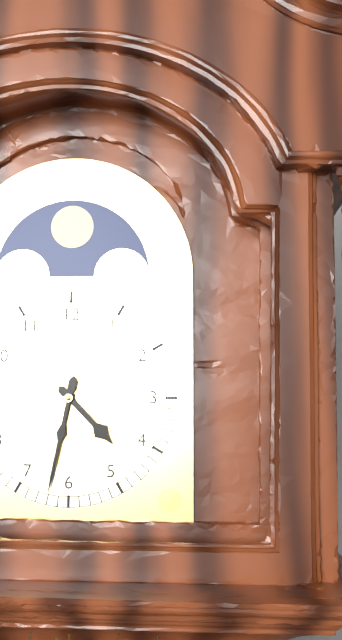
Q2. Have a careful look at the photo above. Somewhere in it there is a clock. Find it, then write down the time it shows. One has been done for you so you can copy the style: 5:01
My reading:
4:32
